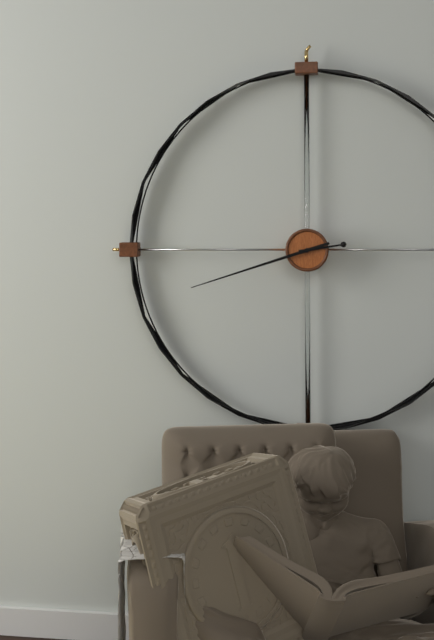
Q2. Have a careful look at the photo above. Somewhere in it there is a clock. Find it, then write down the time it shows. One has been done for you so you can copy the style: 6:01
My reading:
2:42
